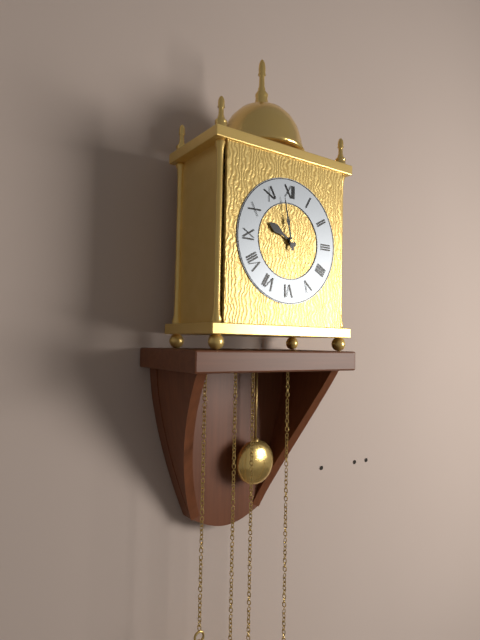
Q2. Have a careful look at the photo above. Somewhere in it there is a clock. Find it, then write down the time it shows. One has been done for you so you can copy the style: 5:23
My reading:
9:58
